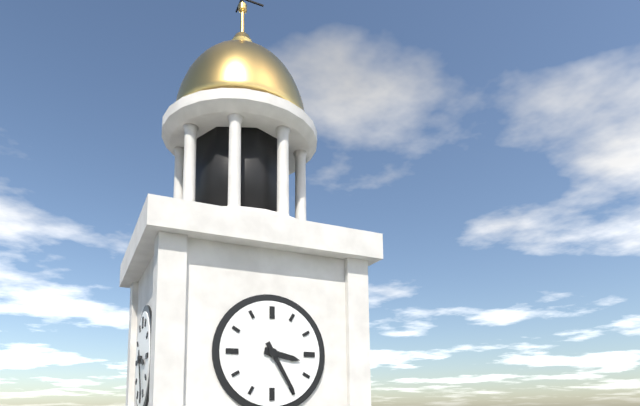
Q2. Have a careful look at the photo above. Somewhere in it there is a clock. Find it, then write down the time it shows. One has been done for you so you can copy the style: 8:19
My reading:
3:25
